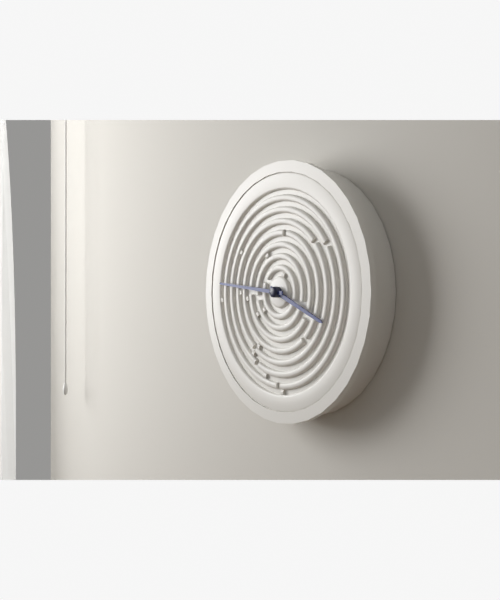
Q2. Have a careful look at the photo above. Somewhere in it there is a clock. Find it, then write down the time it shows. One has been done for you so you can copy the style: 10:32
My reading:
3:46
